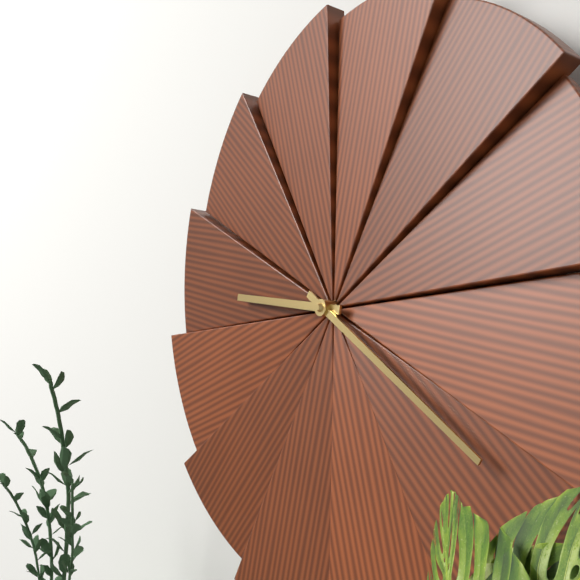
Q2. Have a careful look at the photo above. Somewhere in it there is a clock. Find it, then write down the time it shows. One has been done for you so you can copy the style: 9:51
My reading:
9:21
